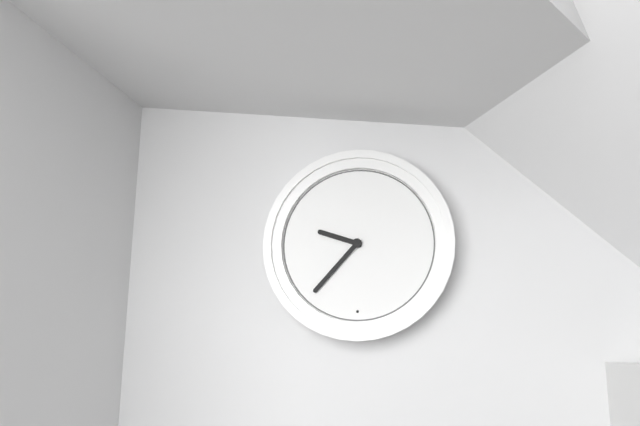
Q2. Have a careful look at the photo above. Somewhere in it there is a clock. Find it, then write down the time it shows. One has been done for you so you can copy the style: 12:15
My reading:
9:37
